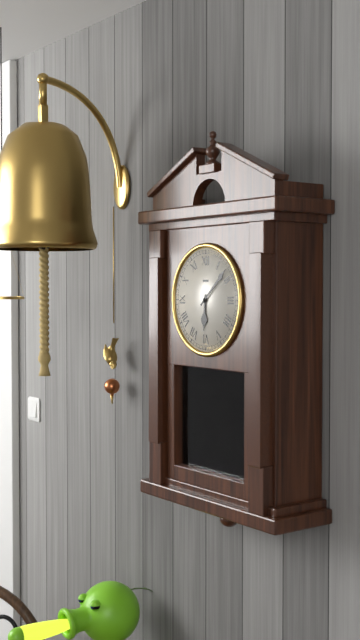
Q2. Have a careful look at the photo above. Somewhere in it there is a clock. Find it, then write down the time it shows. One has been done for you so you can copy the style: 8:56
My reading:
6:08
